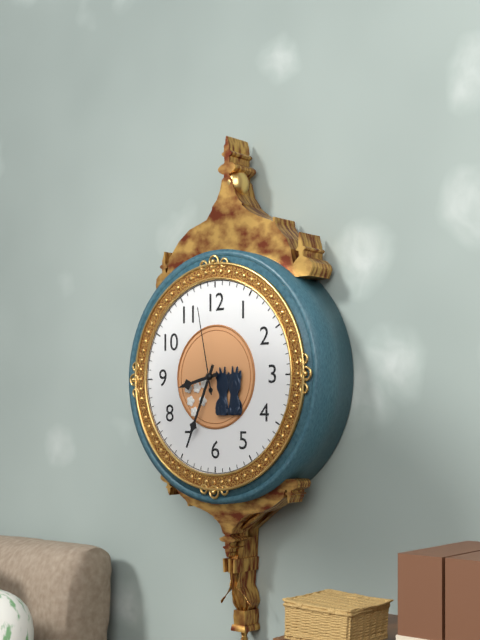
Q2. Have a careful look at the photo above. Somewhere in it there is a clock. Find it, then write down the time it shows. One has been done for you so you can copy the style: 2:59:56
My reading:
8:34:58
